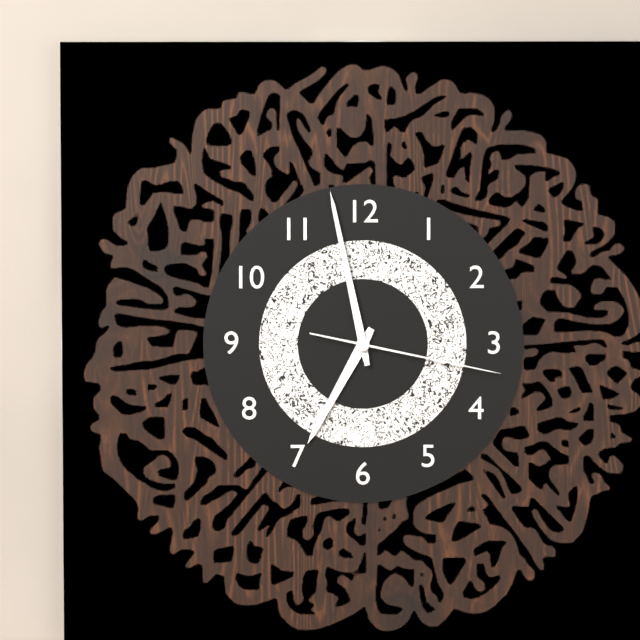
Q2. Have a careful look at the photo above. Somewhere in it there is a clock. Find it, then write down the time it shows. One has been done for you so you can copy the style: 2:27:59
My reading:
6:58:17
